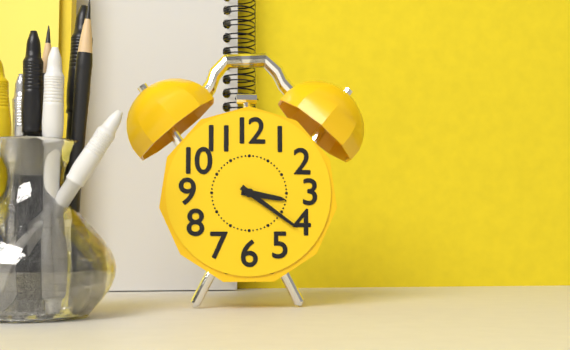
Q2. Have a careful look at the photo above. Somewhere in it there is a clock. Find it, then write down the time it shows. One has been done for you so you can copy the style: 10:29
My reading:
3:21
